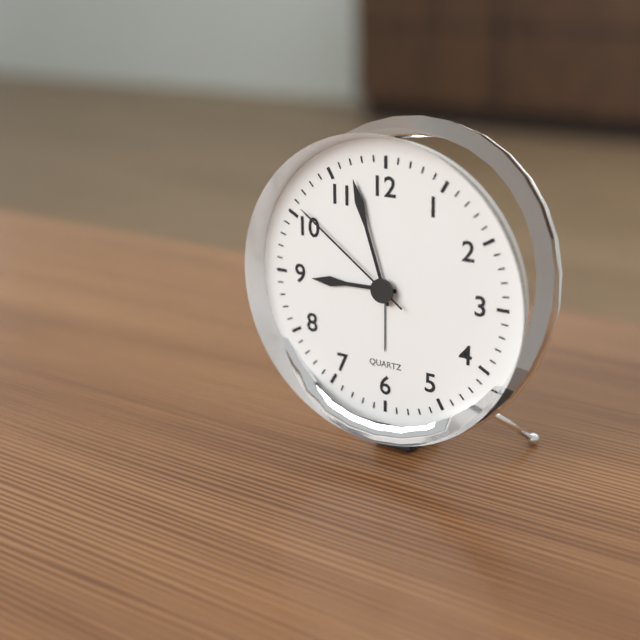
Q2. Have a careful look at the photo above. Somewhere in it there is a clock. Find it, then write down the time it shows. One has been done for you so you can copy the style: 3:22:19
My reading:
8:57:51
